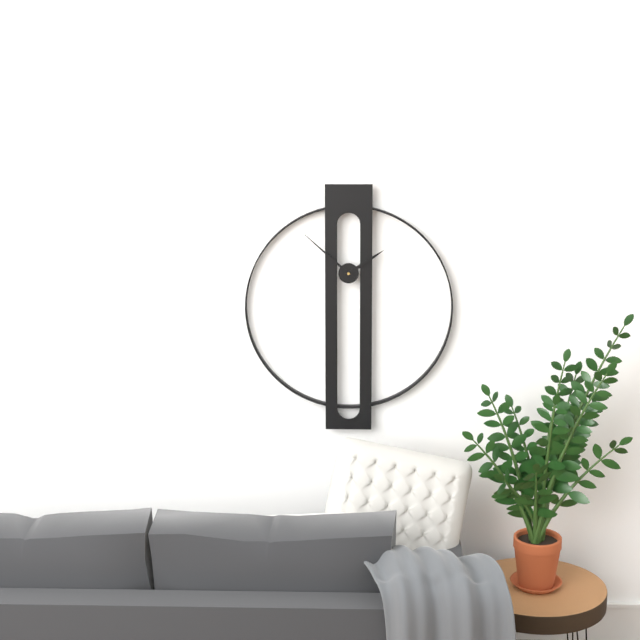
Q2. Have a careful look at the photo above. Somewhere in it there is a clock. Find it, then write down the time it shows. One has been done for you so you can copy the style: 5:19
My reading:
1:52
